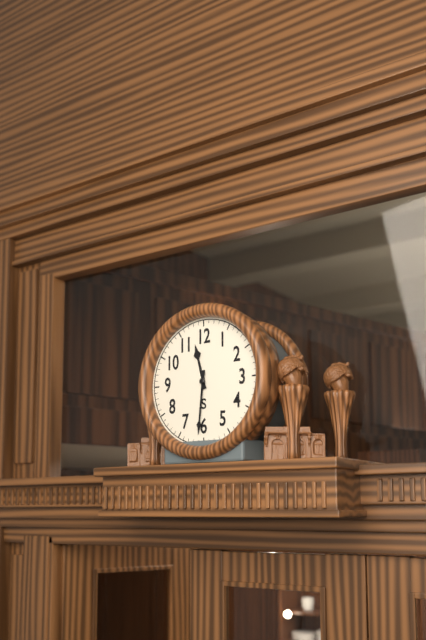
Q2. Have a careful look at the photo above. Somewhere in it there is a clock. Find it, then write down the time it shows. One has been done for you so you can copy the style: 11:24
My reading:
11:31
